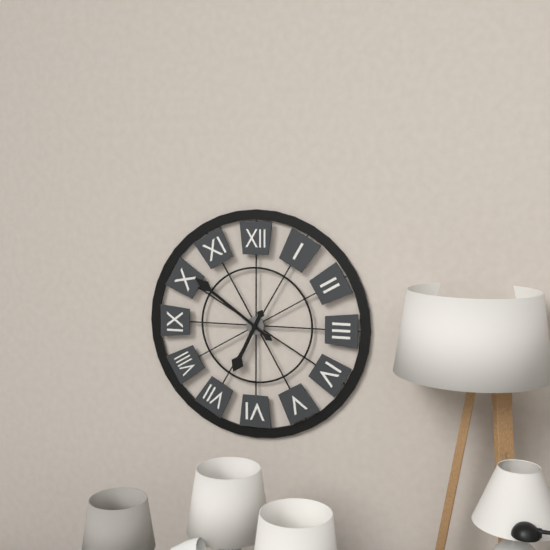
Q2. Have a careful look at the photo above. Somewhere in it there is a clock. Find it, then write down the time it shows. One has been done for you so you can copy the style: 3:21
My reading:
6:51
